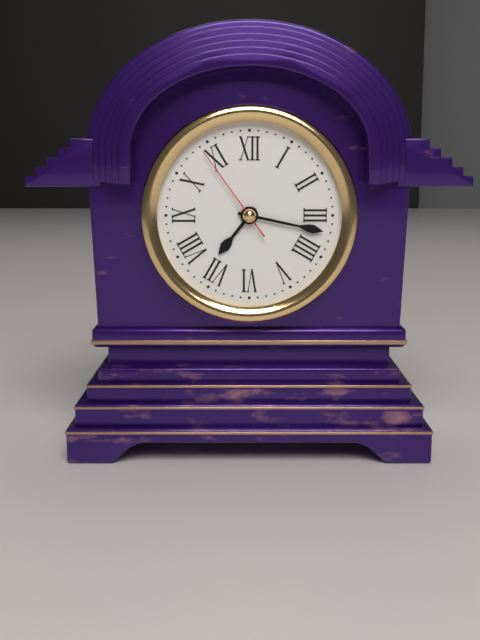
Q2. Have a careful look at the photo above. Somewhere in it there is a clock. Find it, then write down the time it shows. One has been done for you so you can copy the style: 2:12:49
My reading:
7:17:54
